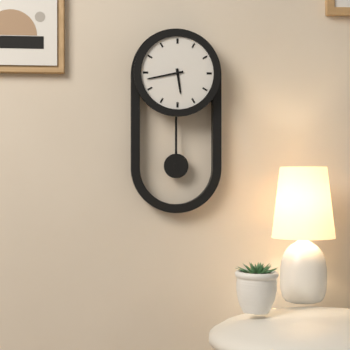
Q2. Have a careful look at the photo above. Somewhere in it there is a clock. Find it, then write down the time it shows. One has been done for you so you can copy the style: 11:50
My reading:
5:43
